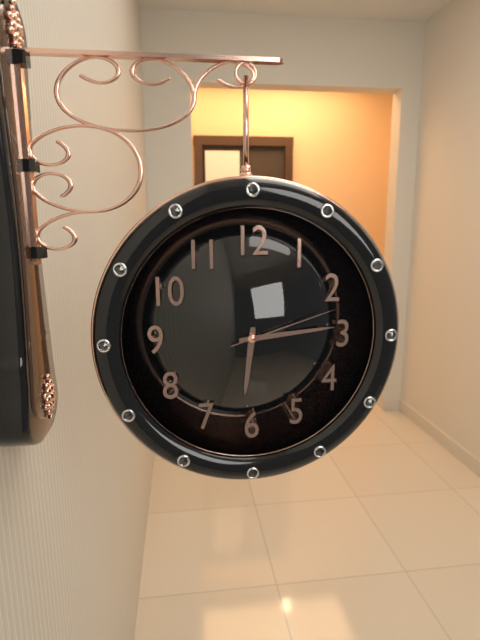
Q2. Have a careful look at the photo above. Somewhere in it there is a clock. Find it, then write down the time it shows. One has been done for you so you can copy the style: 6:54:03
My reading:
6:14:12
